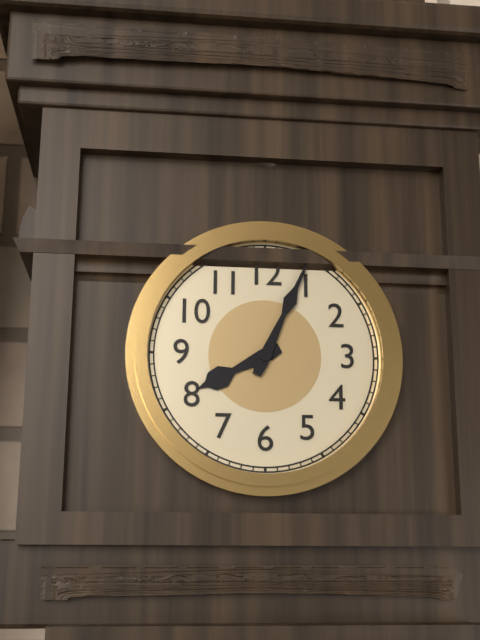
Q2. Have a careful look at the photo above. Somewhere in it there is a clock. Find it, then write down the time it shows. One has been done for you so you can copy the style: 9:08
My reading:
8:04
